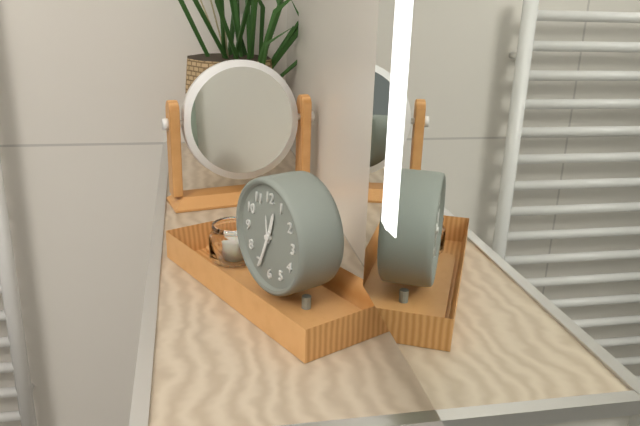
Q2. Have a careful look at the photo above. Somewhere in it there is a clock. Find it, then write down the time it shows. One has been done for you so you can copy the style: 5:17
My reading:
12:34
